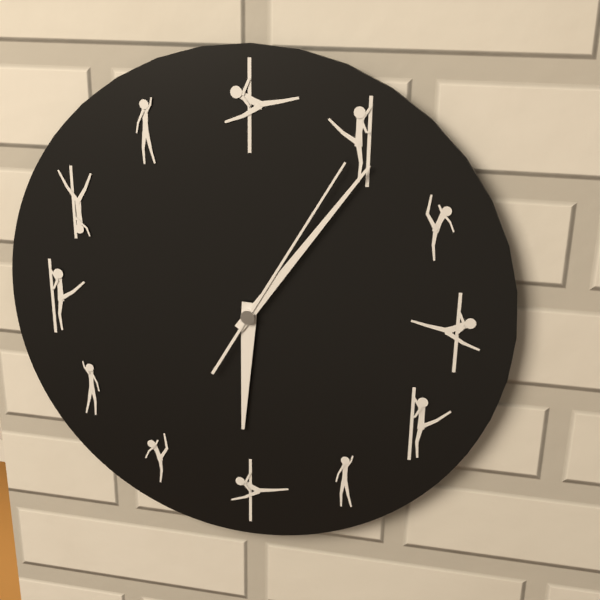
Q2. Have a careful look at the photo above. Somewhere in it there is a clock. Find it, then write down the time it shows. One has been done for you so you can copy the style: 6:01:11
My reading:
6:06:05
